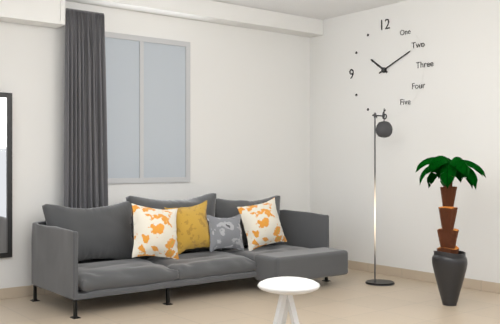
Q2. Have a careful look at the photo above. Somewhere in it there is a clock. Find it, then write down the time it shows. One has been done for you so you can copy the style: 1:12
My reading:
10:11
